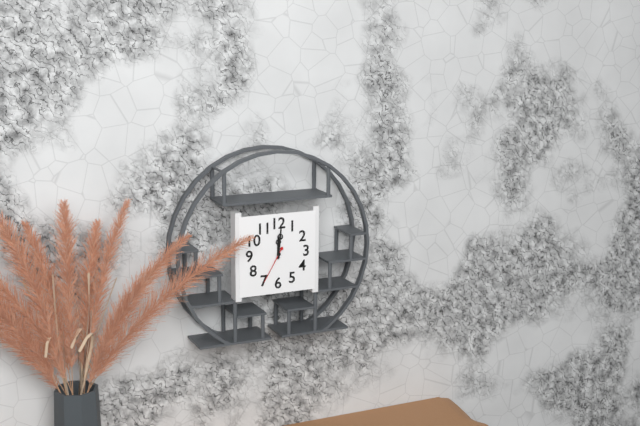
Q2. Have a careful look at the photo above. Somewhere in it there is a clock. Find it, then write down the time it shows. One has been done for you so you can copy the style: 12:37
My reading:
12:01
